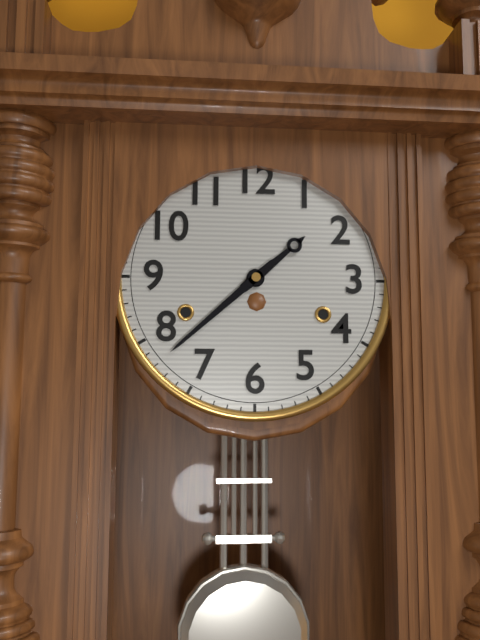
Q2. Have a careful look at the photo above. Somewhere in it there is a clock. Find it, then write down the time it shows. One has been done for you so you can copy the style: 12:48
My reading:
1:38
